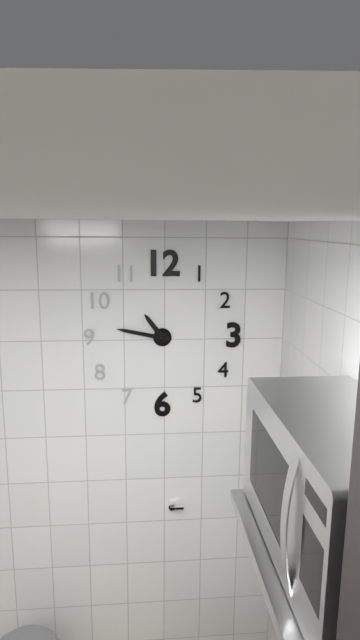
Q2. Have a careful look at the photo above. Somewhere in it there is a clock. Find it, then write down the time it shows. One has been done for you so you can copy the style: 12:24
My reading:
10:47
